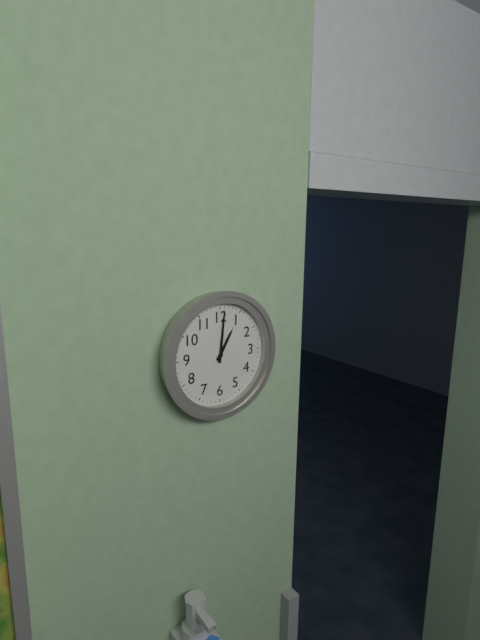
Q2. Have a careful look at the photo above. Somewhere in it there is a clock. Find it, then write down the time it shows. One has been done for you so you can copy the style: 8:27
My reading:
1:01
